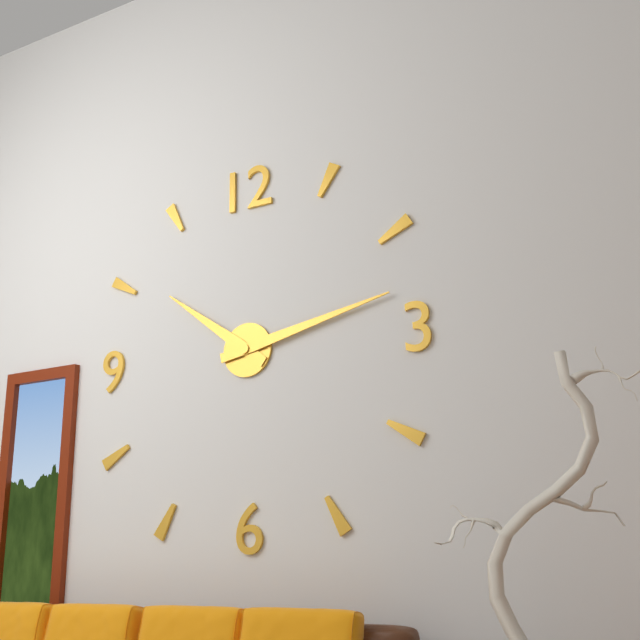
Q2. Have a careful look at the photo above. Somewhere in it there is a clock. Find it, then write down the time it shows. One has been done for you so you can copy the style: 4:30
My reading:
10:13
